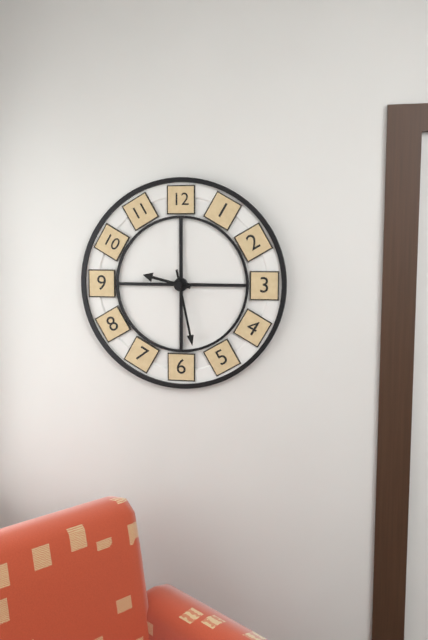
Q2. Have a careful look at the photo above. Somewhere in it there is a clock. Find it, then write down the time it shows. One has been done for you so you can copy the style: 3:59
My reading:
9:28
